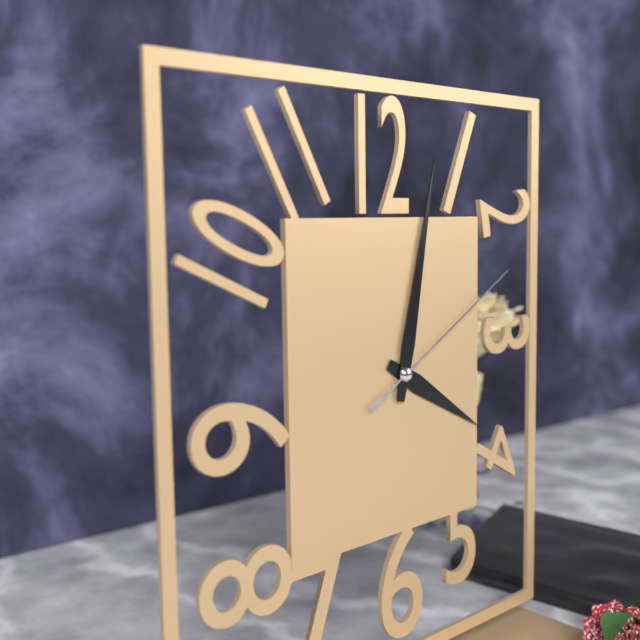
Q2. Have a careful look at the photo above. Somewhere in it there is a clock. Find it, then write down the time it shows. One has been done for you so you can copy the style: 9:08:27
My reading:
4:02:10
